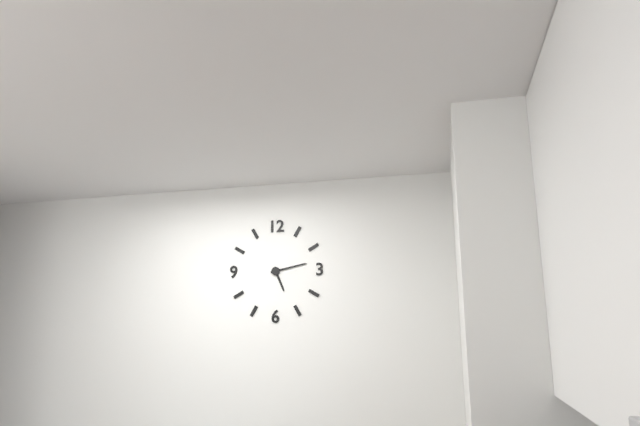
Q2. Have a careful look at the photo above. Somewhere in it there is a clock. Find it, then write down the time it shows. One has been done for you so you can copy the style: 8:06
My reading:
5:13
